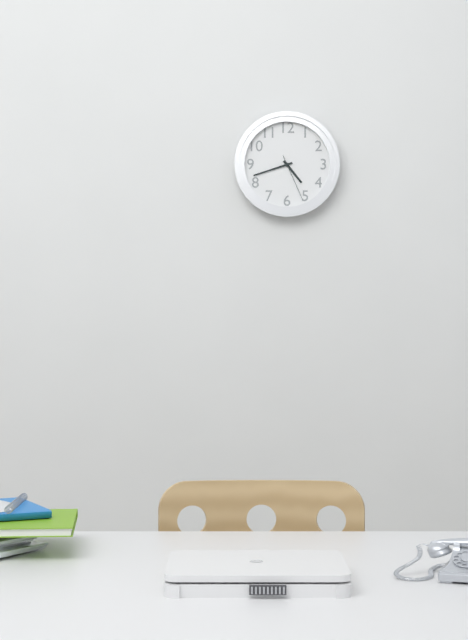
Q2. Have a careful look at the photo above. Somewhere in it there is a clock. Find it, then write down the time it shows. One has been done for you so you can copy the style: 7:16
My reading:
4:42
